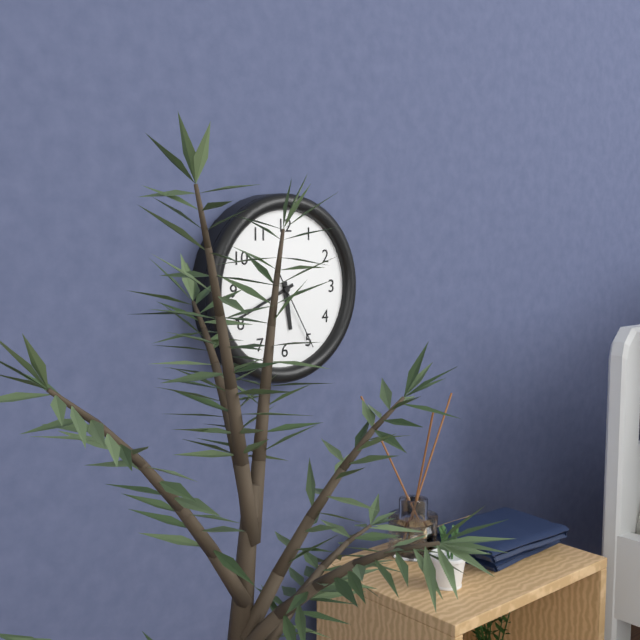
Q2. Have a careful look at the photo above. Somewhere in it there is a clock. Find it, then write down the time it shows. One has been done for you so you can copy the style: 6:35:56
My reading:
5:41:25
